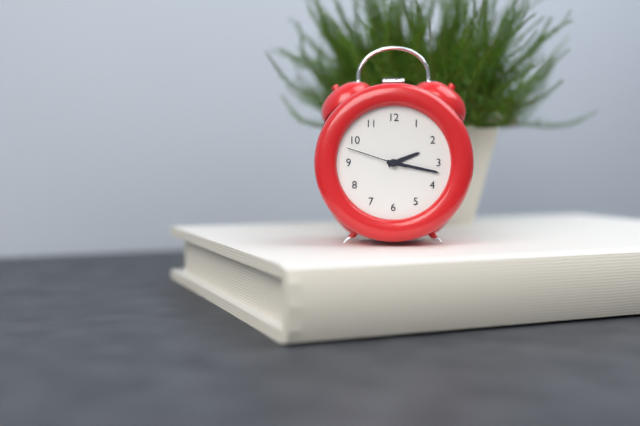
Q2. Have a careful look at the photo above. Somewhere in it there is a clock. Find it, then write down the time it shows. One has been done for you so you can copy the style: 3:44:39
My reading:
2:17:48
